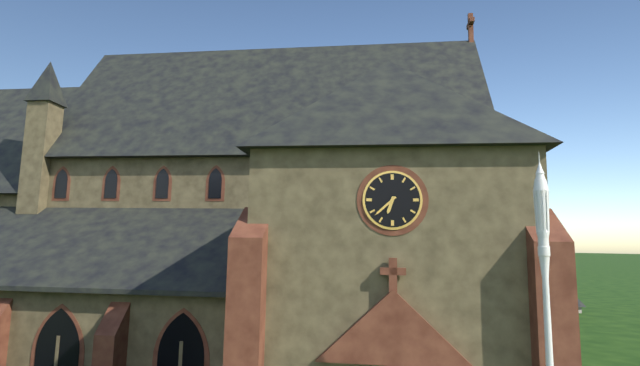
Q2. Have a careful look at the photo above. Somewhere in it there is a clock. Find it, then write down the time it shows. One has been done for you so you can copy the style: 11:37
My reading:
6:38
